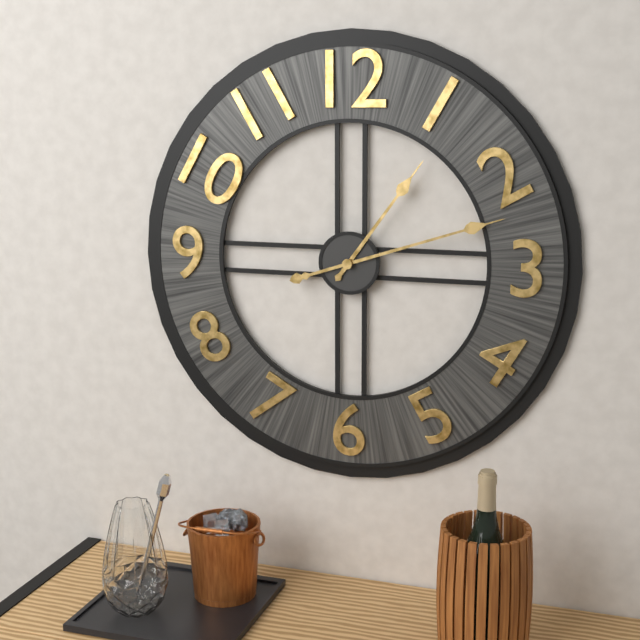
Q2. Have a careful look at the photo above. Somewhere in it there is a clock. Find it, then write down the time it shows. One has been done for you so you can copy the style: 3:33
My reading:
1:12
